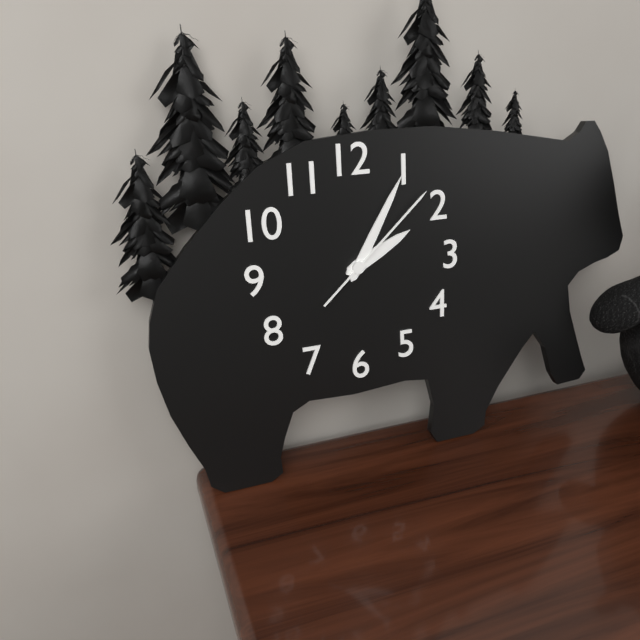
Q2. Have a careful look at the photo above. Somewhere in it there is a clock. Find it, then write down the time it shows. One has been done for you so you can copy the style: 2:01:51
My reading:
2:05:08
